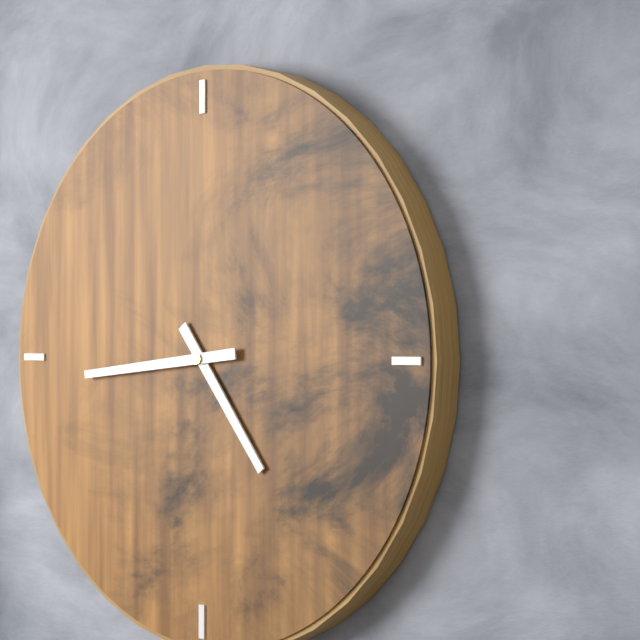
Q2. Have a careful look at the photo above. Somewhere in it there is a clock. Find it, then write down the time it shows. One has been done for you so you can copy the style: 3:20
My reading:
4:44
